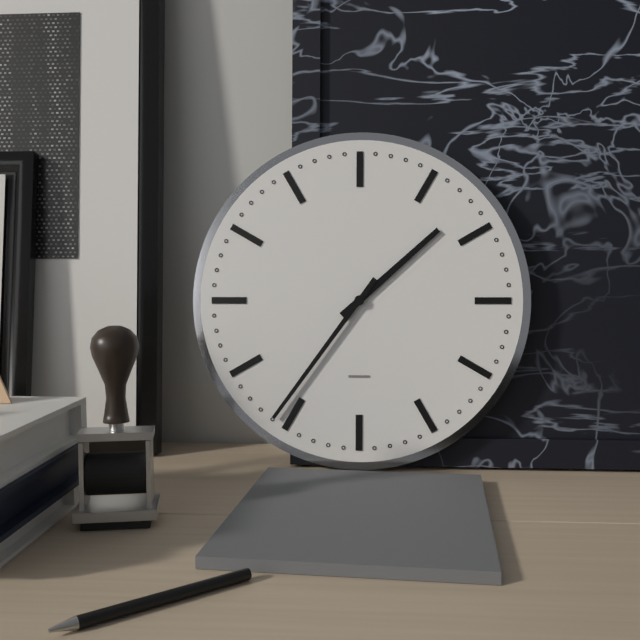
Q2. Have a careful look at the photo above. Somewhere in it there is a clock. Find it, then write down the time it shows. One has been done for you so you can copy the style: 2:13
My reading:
1:36
